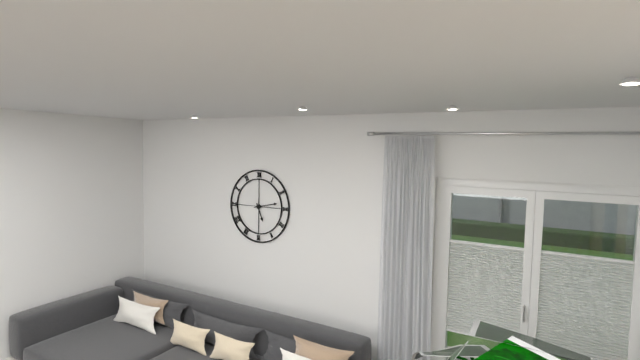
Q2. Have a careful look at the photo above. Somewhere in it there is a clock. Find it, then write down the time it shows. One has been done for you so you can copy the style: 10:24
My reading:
5:13
